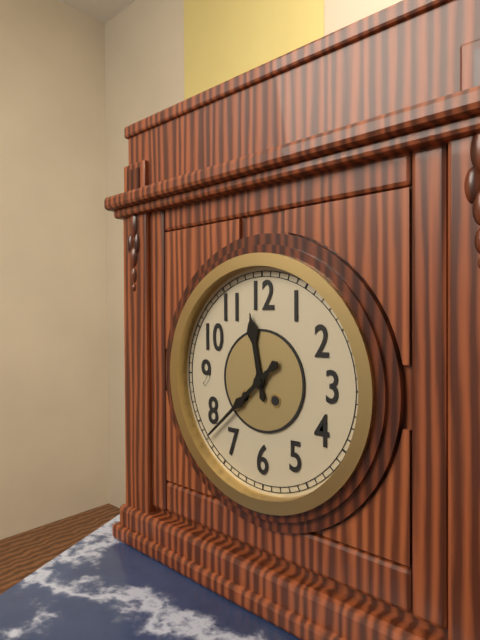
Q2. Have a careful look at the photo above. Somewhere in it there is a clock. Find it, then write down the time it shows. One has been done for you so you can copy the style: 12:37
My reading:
11:38
